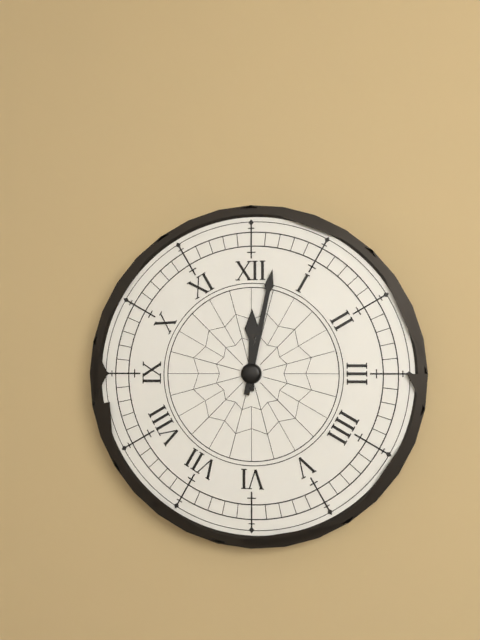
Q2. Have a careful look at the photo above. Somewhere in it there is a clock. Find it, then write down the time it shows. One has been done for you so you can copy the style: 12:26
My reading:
12:02
